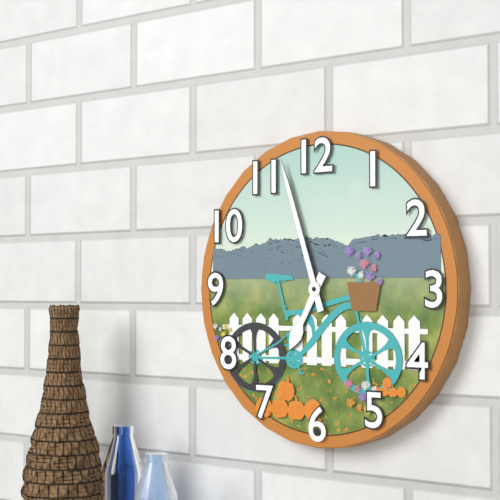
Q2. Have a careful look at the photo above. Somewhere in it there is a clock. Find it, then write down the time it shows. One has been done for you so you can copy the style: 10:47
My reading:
6:57
